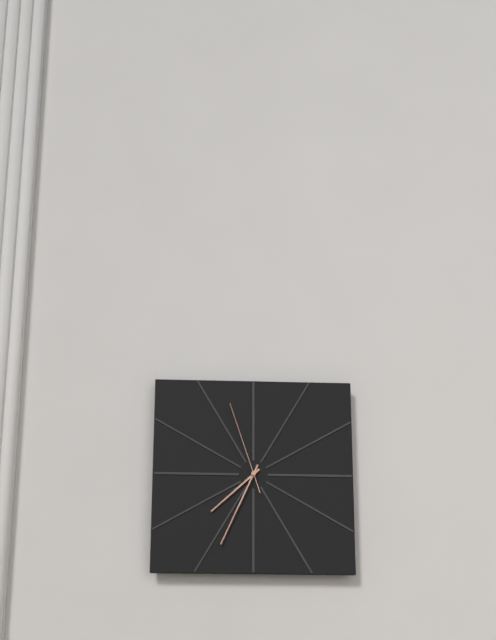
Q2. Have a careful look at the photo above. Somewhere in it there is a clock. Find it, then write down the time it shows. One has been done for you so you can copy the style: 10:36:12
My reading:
7:34:57
